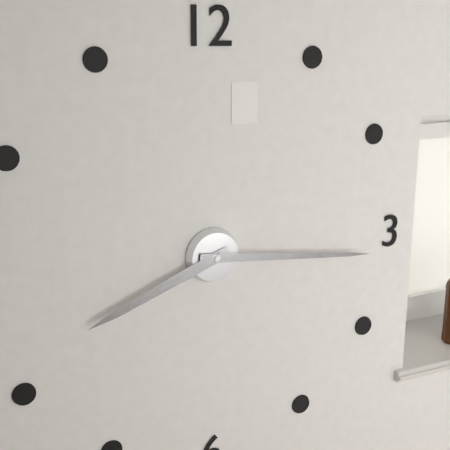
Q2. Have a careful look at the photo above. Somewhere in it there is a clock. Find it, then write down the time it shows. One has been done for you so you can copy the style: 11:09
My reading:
8:16
